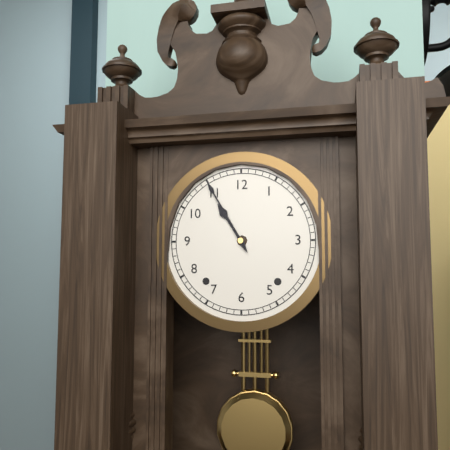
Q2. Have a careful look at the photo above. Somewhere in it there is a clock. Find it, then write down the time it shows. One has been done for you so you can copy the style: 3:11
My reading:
10:55
